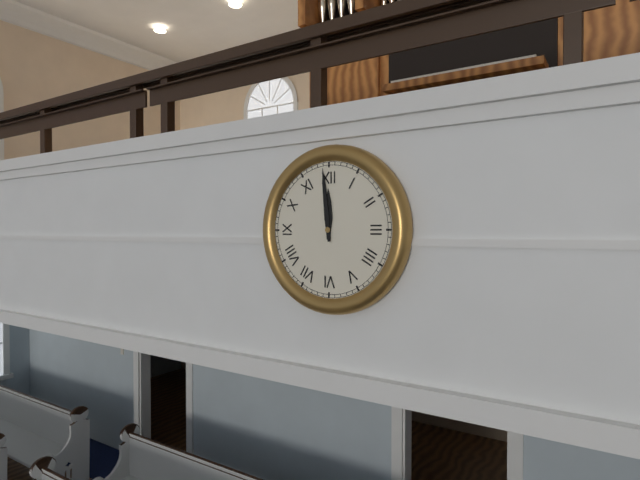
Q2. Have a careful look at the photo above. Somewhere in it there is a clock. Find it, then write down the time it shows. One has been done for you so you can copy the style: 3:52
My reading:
11:59
